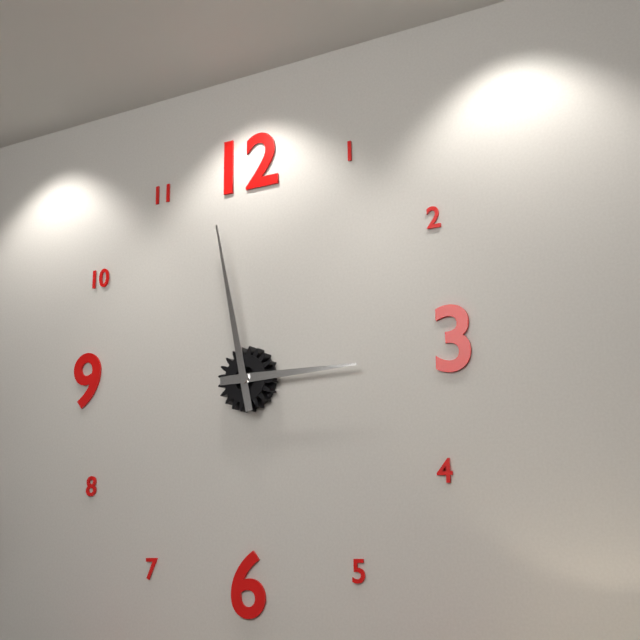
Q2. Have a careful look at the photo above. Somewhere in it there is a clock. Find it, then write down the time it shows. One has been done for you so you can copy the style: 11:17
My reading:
2:58
